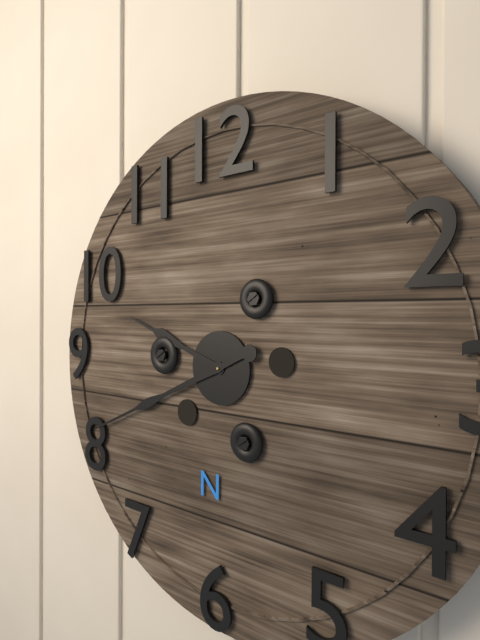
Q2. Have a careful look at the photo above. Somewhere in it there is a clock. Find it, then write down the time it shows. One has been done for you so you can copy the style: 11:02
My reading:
9:41
